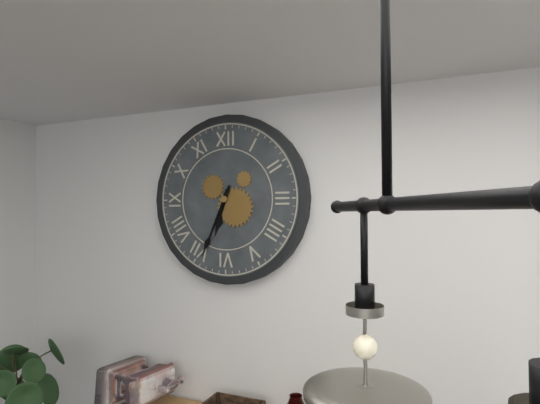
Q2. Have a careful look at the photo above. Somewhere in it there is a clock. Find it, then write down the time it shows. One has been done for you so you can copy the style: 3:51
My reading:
6:34
